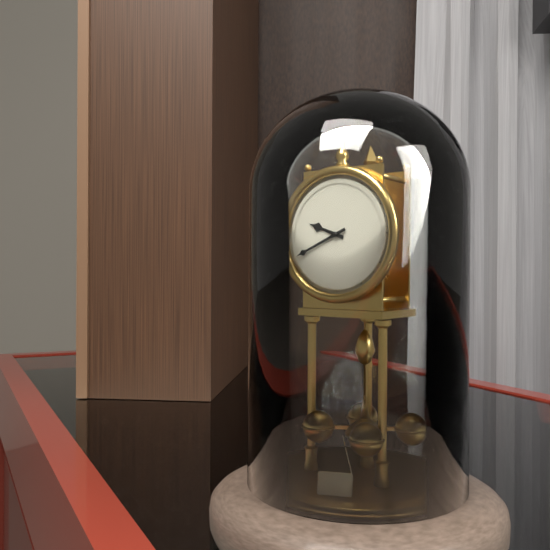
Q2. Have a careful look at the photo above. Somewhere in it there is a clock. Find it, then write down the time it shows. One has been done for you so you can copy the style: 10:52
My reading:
9:41
